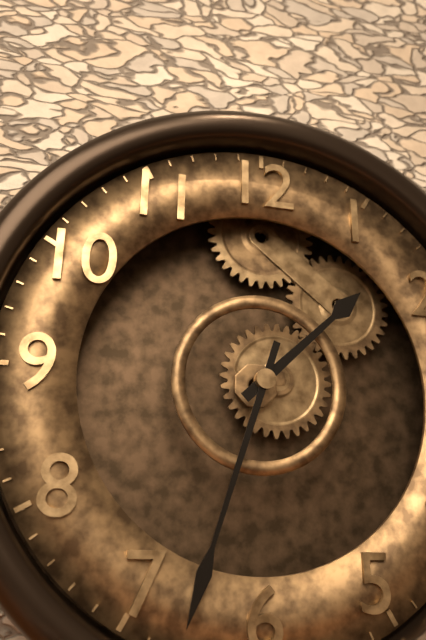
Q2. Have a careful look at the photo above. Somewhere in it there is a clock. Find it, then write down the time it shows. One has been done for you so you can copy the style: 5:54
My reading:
1:33
